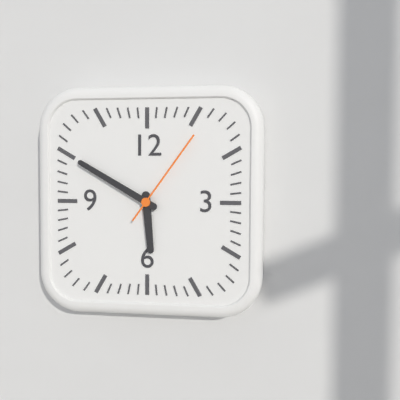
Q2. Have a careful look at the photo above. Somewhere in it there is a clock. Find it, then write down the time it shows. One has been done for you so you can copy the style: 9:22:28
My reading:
5:50:06
